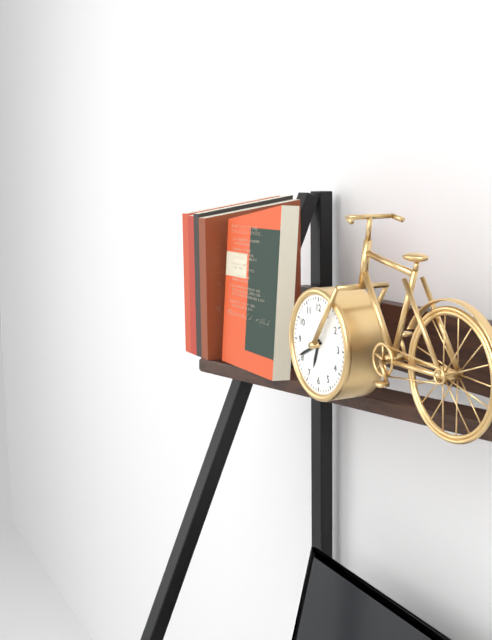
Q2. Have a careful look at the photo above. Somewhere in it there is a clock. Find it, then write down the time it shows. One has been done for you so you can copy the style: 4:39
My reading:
6:41
